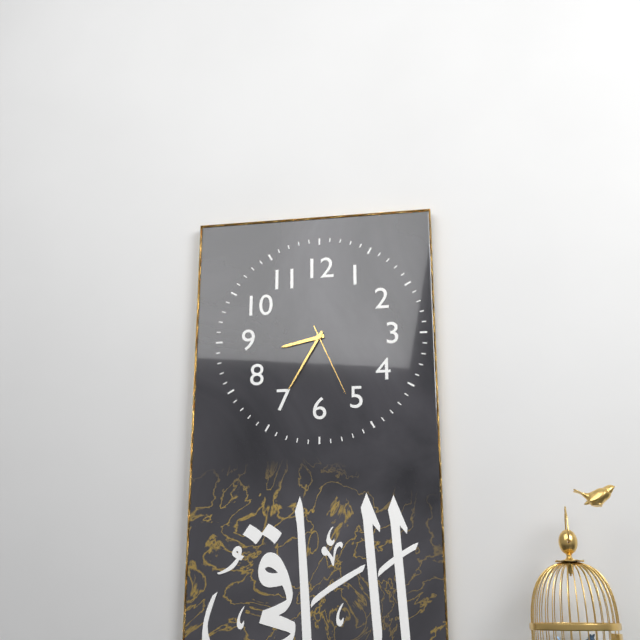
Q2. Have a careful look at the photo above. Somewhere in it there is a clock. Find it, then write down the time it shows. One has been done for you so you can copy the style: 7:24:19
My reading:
8:35:26
